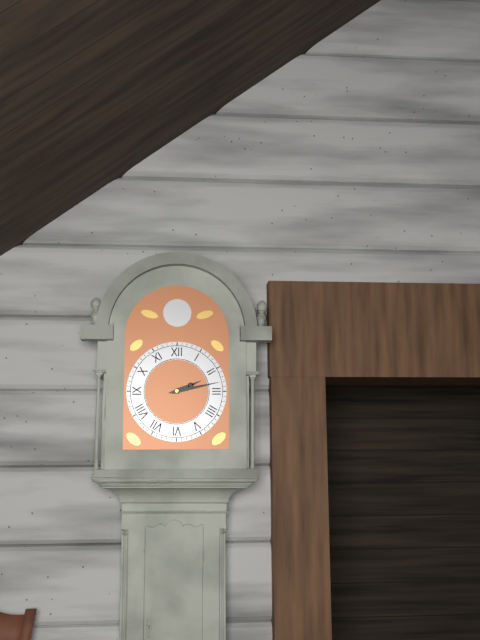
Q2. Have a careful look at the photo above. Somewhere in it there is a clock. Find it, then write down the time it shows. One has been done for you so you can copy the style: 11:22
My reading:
2:13
